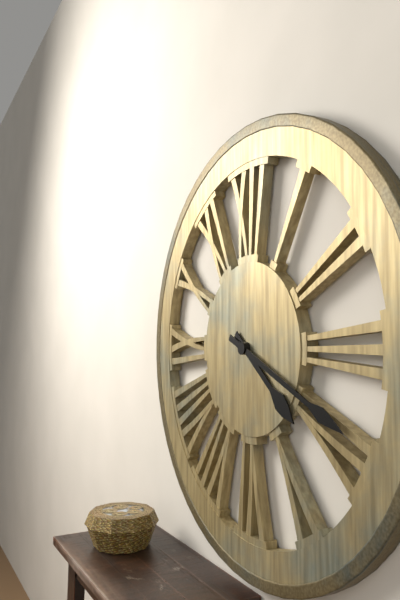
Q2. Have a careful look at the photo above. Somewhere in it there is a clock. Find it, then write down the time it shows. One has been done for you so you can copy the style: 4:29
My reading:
4:19
